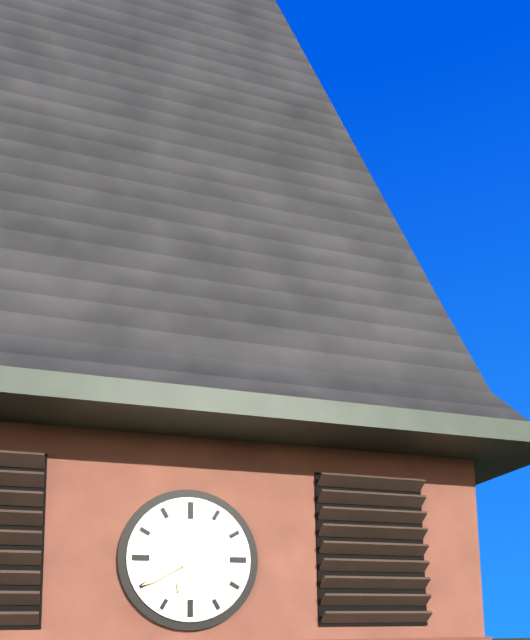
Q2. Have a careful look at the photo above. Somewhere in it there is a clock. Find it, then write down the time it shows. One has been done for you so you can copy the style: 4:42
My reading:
6:40
